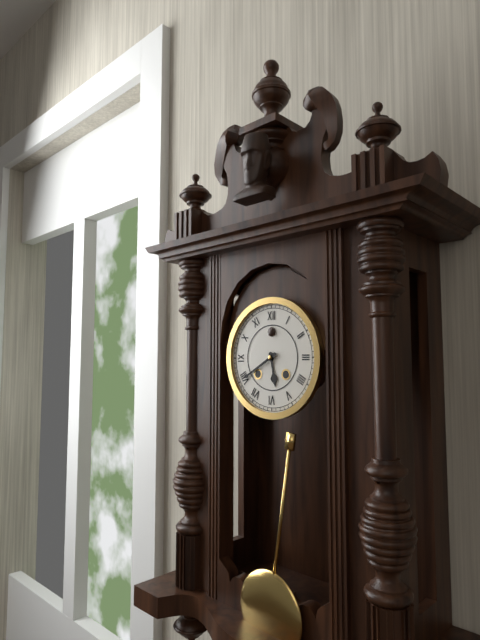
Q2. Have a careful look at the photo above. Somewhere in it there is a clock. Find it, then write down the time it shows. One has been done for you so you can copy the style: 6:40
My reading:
5:40
